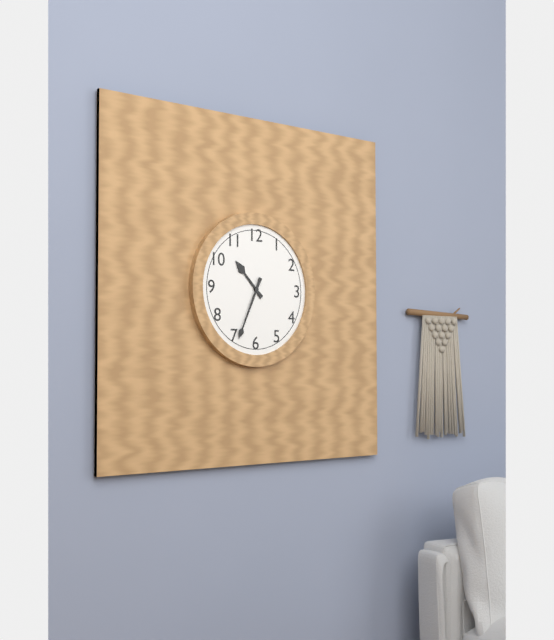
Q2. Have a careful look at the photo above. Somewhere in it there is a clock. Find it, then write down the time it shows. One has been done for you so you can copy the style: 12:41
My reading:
10:34
